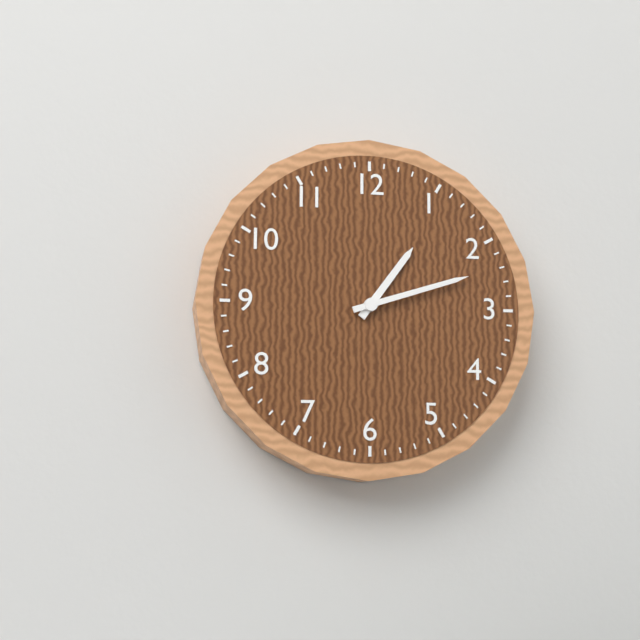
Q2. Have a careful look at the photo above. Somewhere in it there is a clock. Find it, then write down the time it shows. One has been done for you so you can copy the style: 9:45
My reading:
1:12
